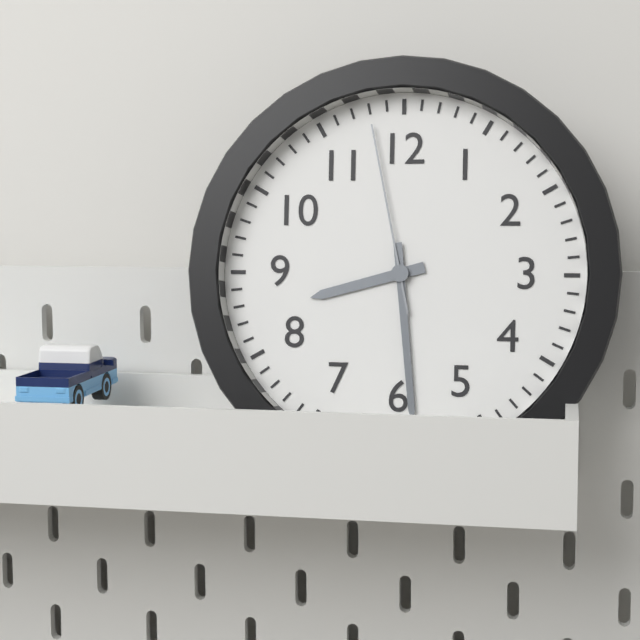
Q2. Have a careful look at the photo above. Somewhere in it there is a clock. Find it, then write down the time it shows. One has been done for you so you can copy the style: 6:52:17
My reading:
8:29:58
